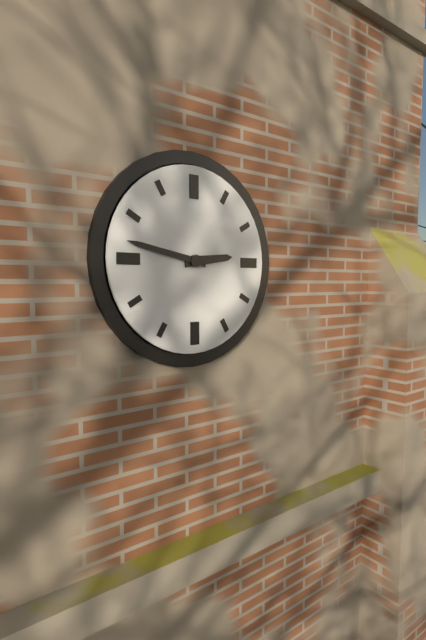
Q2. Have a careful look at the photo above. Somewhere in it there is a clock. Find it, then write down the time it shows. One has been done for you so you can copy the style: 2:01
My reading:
2:47
